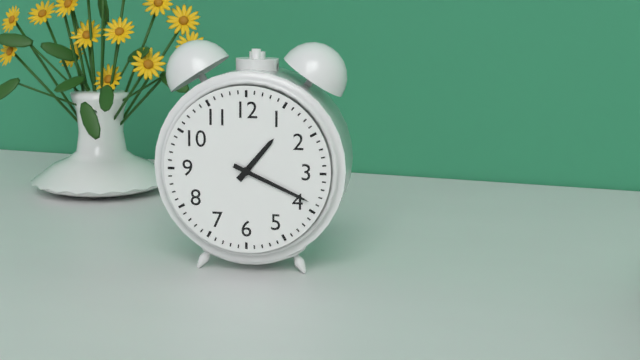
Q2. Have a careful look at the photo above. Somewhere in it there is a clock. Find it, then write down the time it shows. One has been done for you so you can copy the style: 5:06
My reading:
1:19
